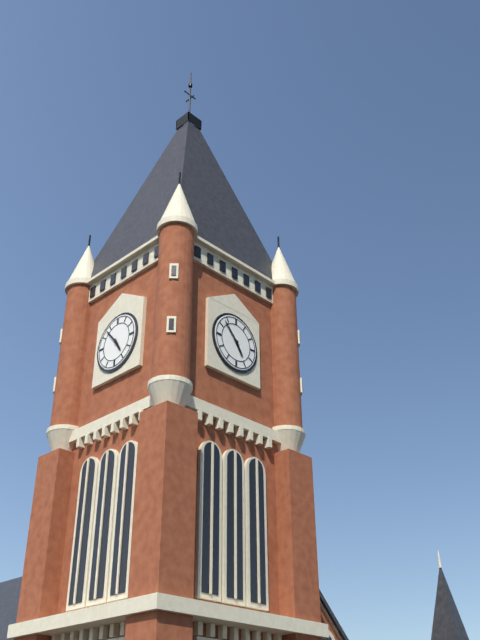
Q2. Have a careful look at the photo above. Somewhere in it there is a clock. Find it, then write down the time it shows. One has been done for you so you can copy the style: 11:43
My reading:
4:53
